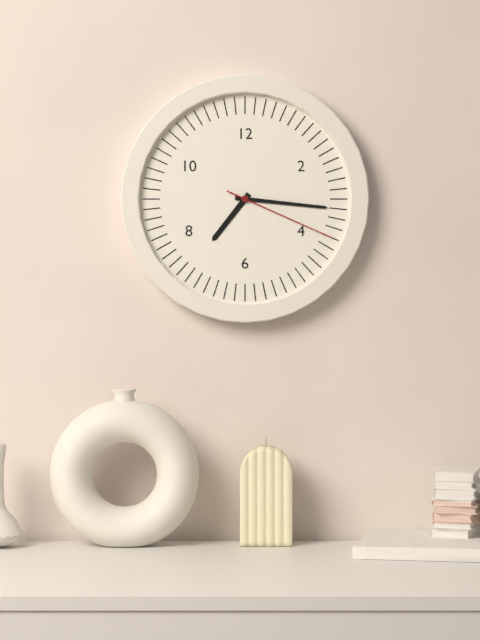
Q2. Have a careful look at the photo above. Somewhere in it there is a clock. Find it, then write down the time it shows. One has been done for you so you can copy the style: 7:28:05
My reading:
7:16:19
